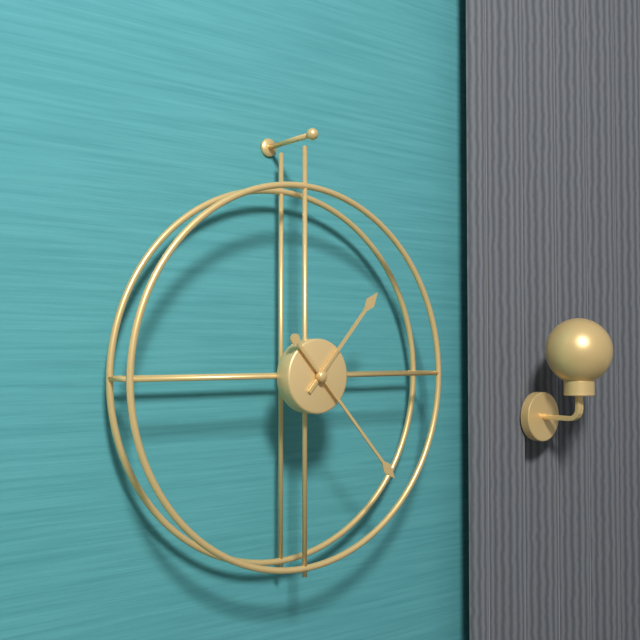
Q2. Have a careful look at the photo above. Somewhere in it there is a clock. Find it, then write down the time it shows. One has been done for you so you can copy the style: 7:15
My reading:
1:23
